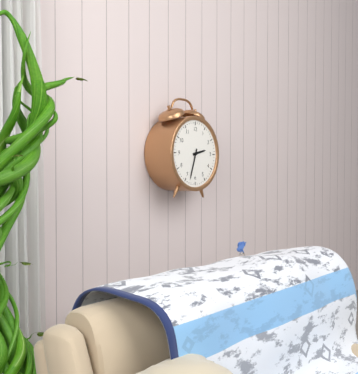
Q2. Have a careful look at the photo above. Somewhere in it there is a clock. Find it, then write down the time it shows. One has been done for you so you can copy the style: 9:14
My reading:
2:33
